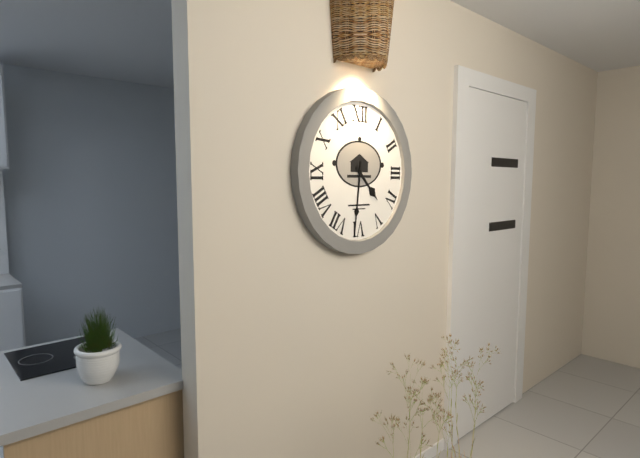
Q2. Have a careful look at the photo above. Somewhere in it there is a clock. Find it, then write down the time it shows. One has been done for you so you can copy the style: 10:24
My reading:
4:31
